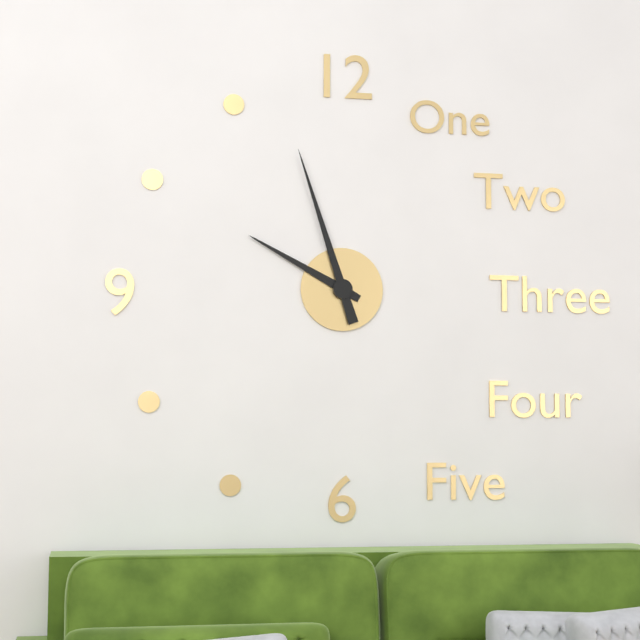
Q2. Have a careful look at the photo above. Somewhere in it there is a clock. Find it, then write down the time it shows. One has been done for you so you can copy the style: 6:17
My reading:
9:57
